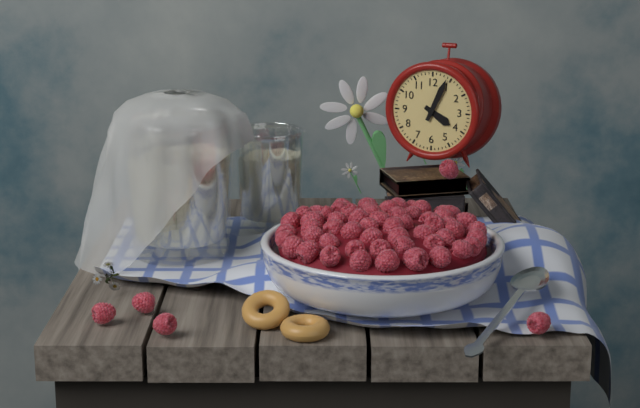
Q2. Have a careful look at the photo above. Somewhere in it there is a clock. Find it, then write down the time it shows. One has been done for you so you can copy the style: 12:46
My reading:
4:04
